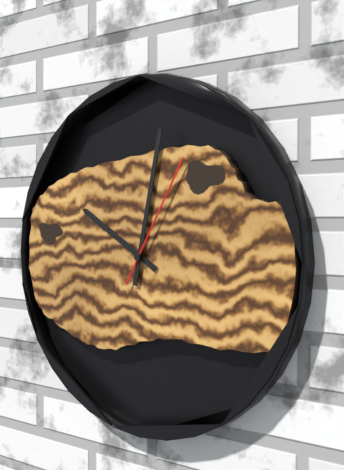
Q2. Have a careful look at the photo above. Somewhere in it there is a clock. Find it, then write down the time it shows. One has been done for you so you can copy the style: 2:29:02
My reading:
10:02:05
